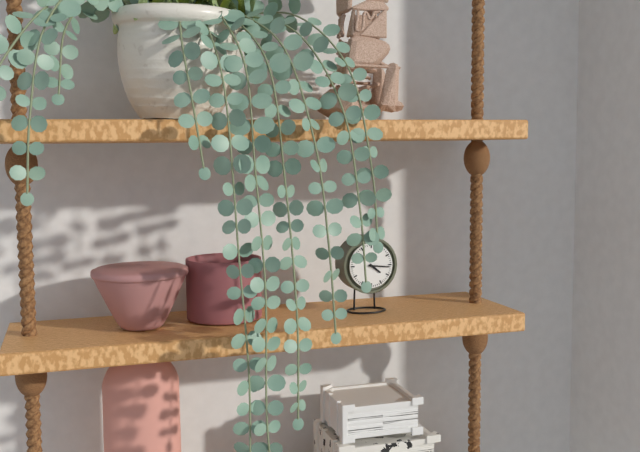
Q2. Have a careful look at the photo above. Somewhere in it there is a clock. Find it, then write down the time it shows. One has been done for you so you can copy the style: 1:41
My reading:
4:16
